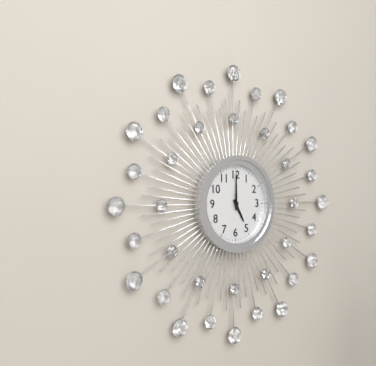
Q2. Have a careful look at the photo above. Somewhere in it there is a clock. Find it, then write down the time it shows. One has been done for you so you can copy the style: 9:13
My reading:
5:00
